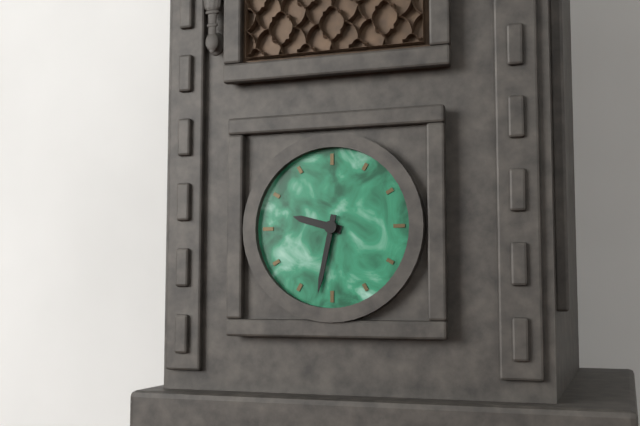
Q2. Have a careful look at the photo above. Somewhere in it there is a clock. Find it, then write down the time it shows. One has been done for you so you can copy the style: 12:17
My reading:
9:32
